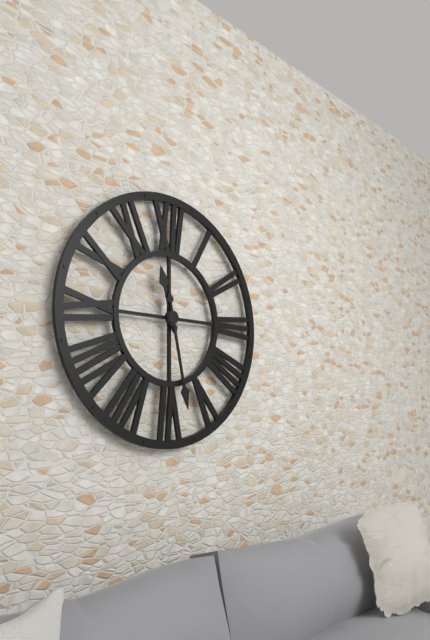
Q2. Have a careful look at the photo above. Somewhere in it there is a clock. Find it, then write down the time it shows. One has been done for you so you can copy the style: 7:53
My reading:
11:28
